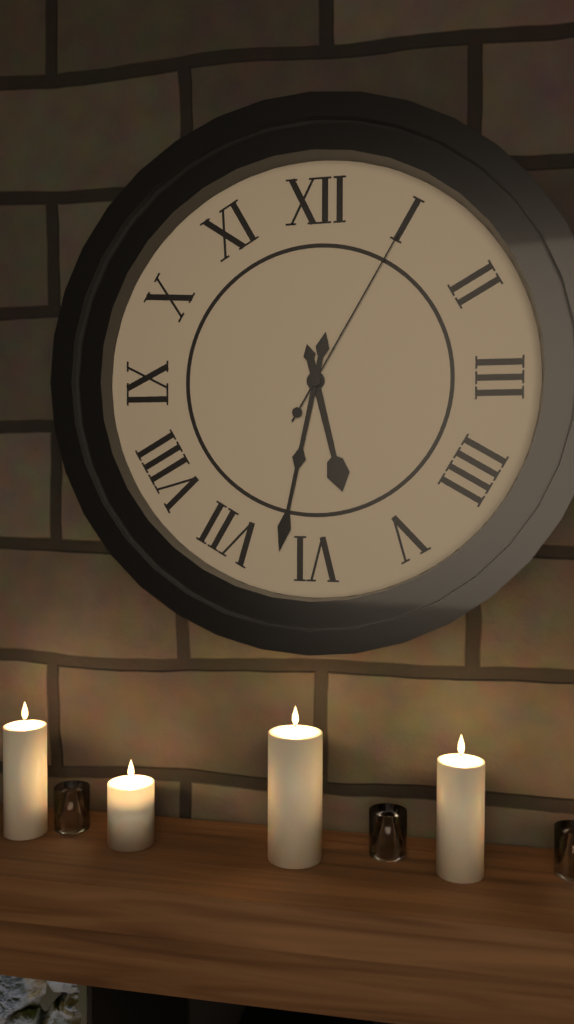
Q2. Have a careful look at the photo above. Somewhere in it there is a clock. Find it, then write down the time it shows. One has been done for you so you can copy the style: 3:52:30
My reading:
5:32:05
